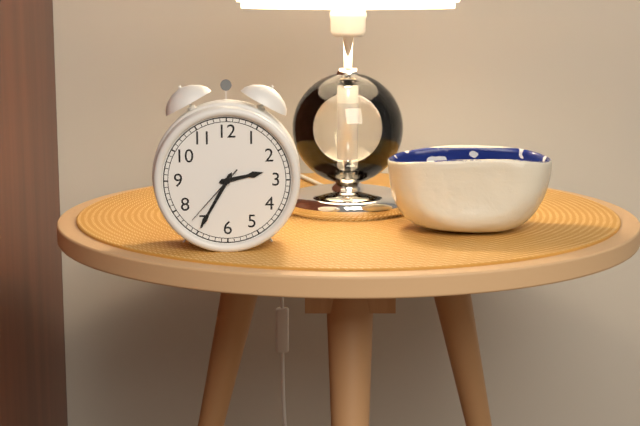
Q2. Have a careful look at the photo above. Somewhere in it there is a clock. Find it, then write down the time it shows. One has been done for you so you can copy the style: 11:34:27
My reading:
2:35:37
